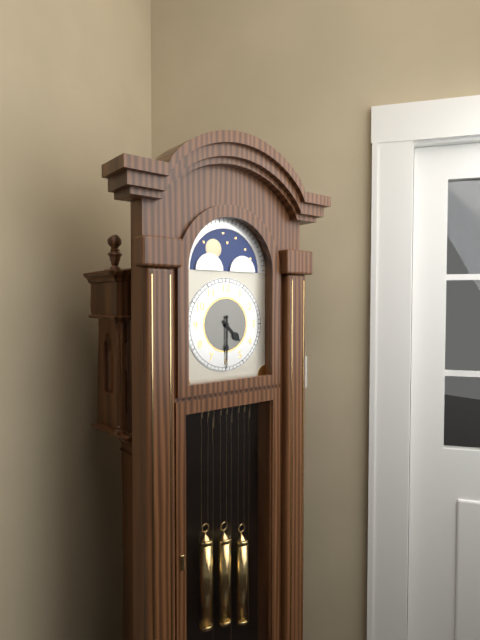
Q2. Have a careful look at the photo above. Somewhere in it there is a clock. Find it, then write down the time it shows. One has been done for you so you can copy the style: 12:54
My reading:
4:30
